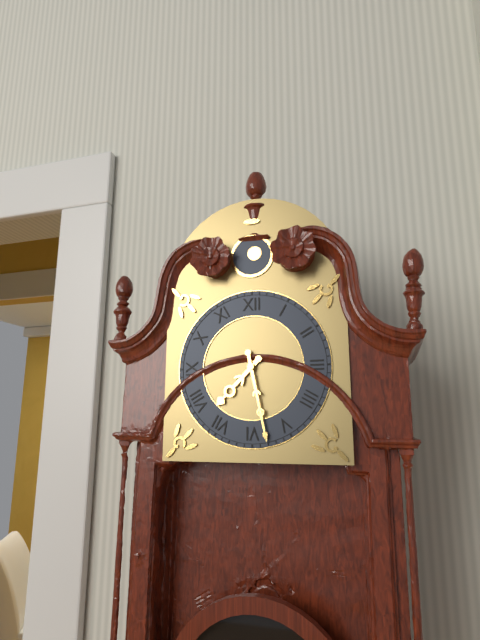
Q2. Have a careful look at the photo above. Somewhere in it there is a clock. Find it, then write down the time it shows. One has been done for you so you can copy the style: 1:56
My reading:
7:28
